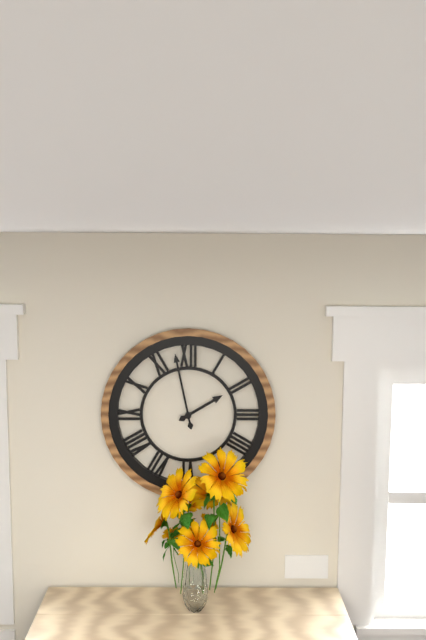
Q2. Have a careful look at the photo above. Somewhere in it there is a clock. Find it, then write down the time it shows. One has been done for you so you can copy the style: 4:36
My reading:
1:58
